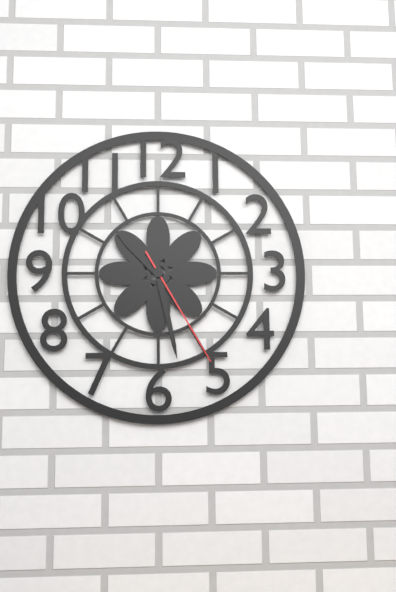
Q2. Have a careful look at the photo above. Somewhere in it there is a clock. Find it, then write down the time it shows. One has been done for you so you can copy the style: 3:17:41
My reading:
10:28:25
